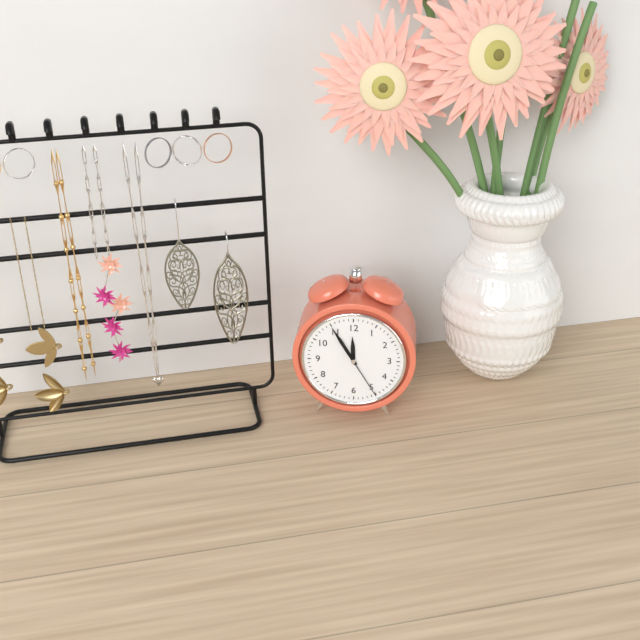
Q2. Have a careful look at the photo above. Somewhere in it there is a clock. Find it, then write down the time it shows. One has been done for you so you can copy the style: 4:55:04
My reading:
11:55:25
